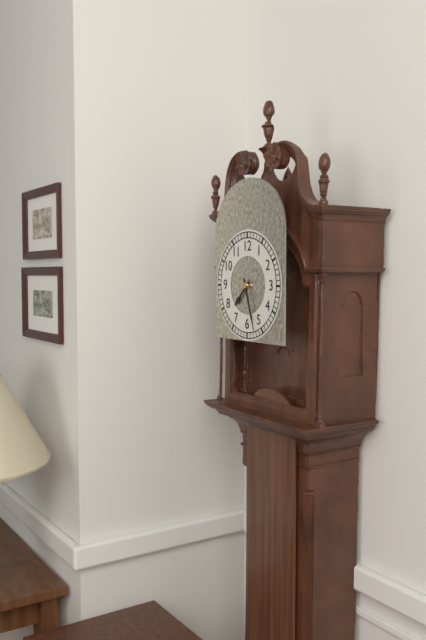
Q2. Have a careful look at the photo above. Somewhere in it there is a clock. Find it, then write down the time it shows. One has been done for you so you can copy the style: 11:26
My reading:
7:27
